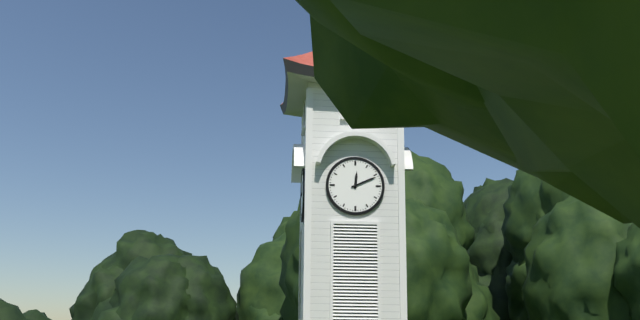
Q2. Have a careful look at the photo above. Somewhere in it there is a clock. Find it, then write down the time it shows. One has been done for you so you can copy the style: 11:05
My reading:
12:11
